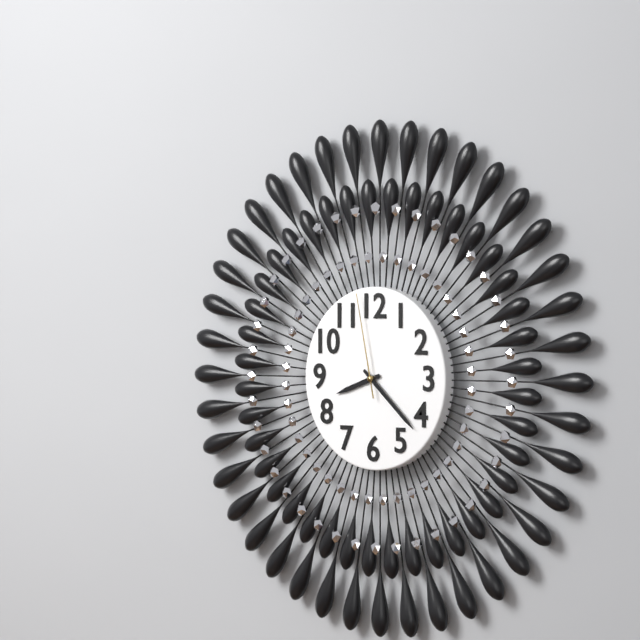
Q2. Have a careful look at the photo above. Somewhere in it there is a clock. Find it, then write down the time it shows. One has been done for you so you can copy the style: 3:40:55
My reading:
8:22:58
